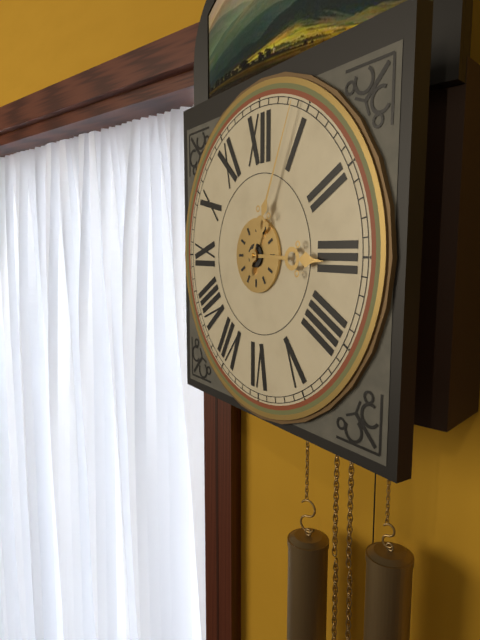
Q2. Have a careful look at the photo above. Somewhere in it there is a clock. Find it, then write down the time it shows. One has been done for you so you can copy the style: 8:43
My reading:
3:04
